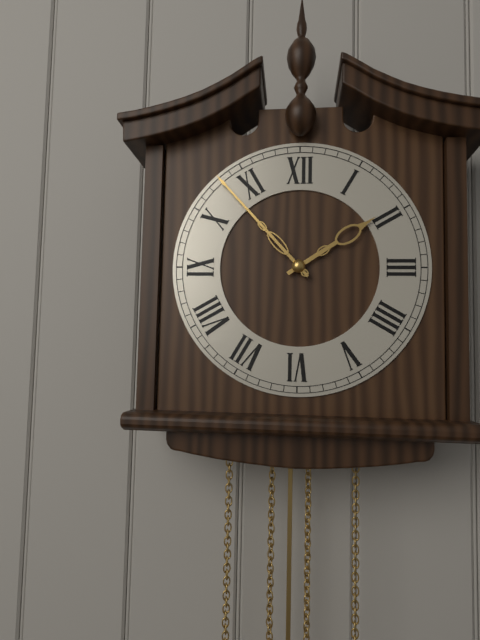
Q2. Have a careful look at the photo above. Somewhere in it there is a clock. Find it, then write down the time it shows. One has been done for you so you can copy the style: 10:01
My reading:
1:53
